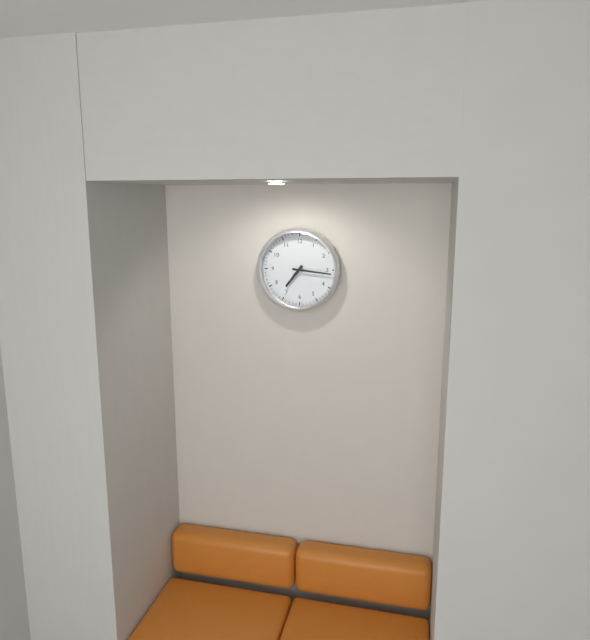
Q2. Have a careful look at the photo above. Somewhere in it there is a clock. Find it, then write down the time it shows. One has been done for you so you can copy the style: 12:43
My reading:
7:16
